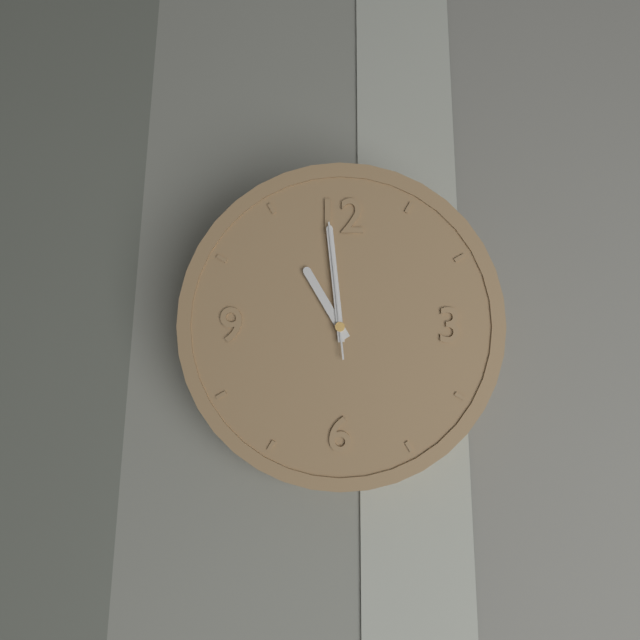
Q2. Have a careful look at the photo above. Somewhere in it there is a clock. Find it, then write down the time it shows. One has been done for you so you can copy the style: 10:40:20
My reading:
10:59:59
